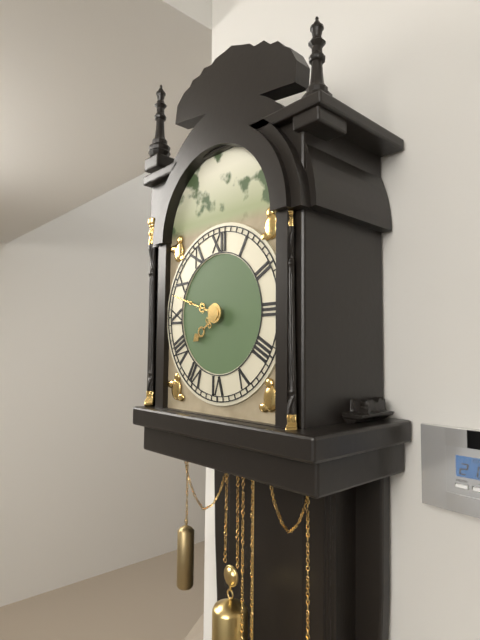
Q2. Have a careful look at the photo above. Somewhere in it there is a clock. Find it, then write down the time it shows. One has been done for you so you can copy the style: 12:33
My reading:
7:48
